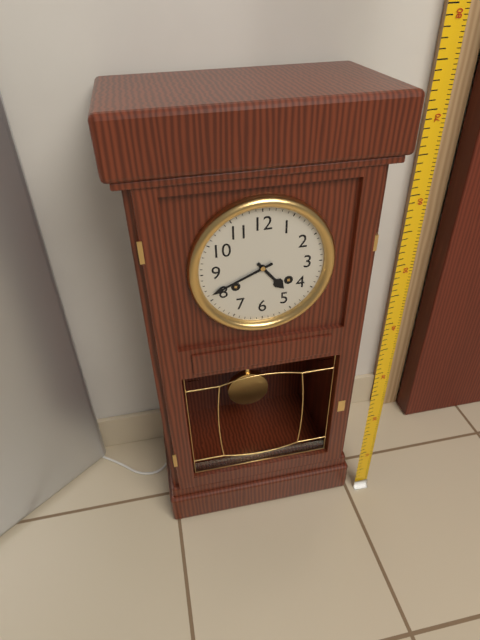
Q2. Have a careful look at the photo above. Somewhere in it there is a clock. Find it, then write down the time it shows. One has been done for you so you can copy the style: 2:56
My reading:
4:41
